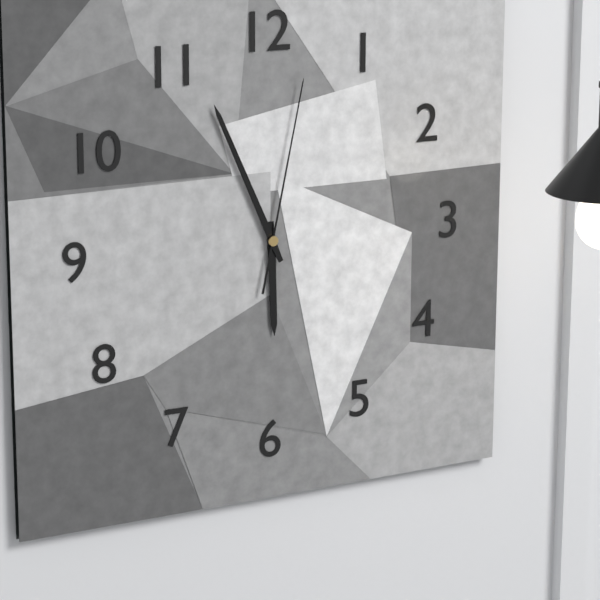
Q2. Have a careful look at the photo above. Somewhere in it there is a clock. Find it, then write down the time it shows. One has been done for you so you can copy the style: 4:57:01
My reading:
5:56:02
